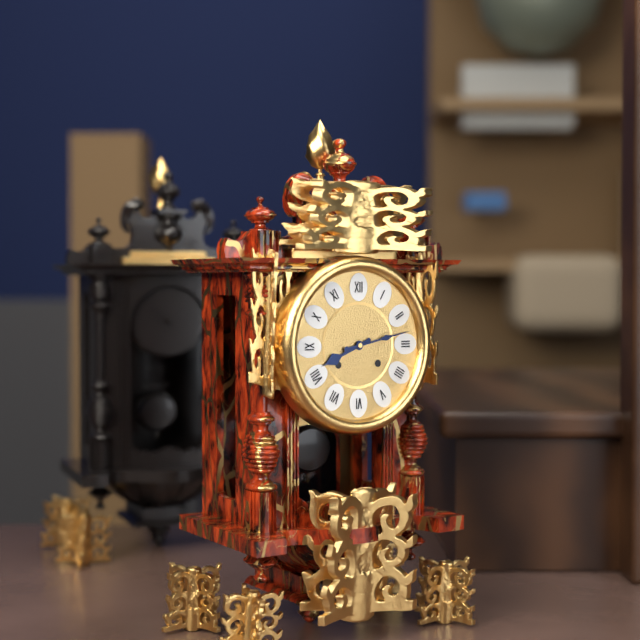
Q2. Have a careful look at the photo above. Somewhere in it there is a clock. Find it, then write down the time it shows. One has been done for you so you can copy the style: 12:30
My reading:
8:13
